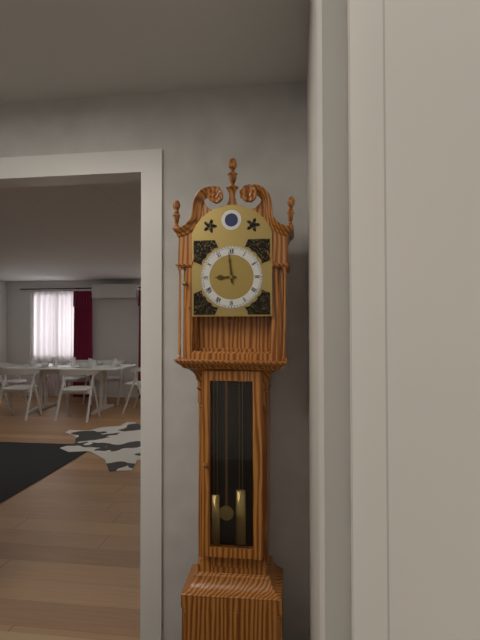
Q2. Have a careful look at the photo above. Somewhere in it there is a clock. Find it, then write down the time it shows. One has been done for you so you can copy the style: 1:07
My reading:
8:59
